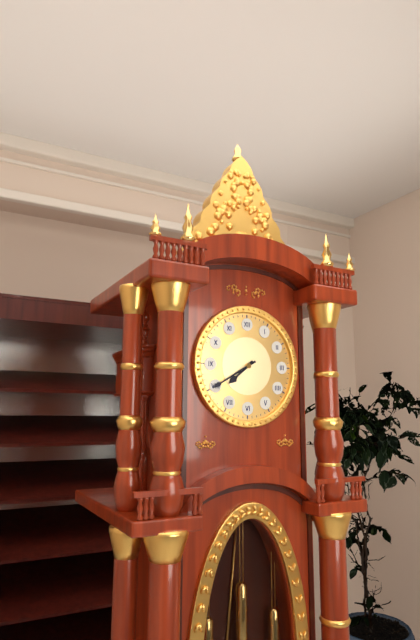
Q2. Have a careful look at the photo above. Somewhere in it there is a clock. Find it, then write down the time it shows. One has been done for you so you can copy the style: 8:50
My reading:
7:40
